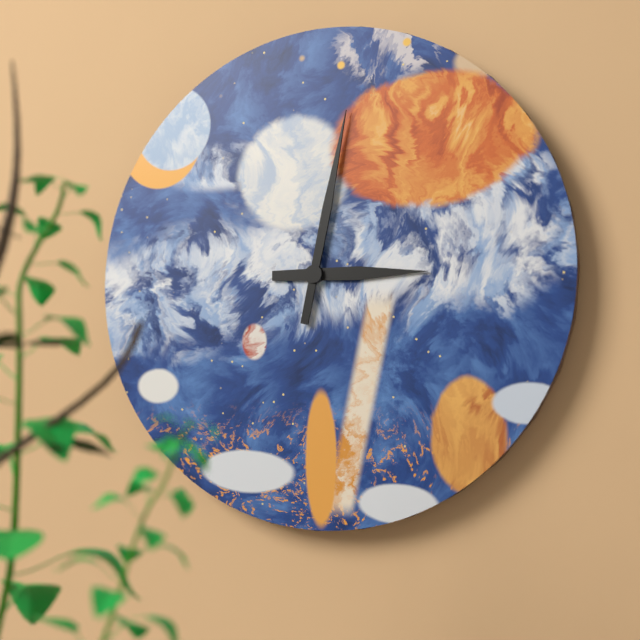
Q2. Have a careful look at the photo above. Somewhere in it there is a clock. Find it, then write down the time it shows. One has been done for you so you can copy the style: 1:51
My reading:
3:02
